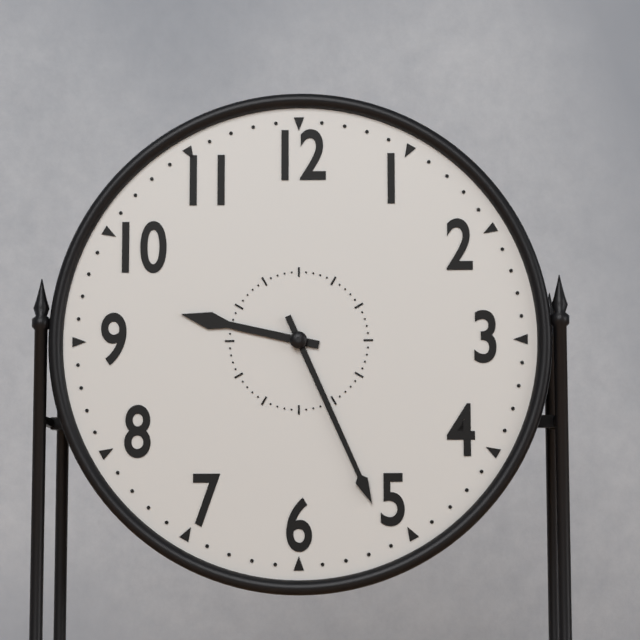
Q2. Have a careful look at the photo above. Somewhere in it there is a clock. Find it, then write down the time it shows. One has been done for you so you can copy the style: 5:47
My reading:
9:26
